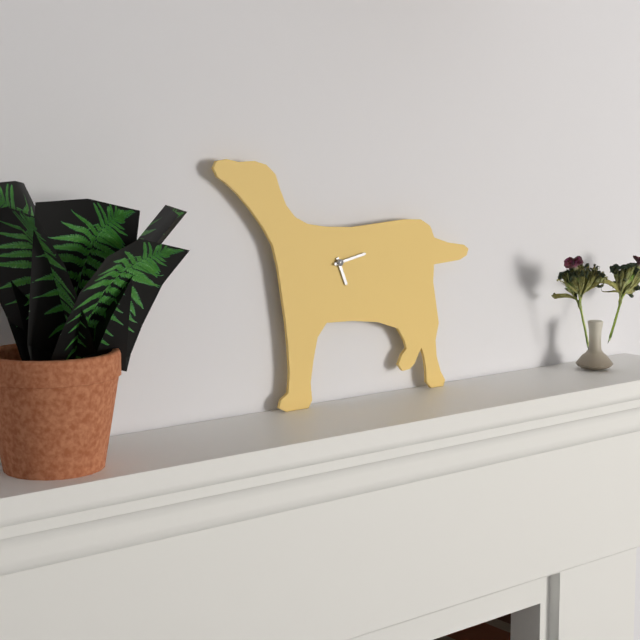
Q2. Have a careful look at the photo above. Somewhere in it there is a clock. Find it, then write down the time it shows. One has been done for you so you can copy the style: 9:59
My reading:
5:13
